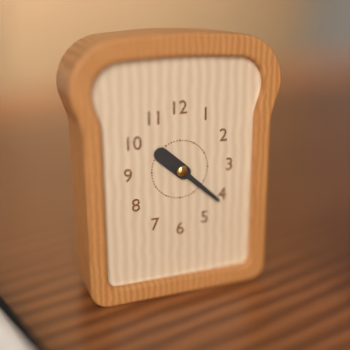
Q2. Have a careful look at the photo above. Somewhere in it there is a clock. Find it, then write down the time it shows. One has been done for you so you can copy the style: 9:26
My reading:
10:22
